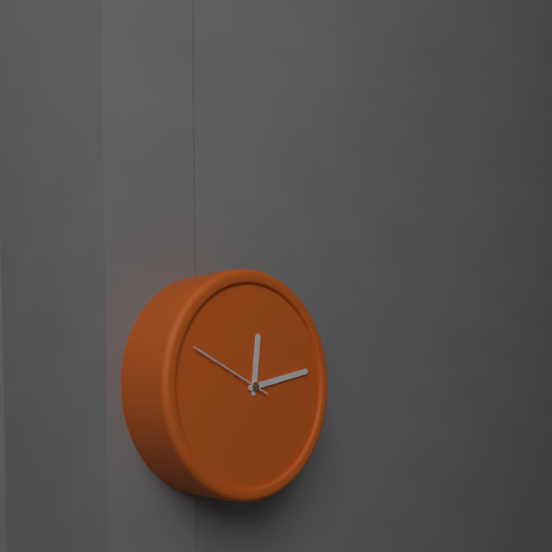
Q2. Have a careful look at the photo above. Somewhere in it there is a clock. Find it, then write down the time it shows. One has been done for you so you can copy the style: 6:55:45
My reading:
12:13:49
